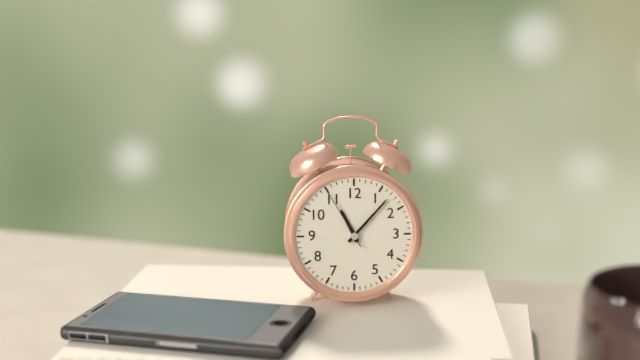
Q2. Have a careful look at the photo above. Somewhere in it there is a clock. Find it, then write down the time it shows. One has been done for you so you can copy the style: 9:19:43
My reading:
11:07:55
